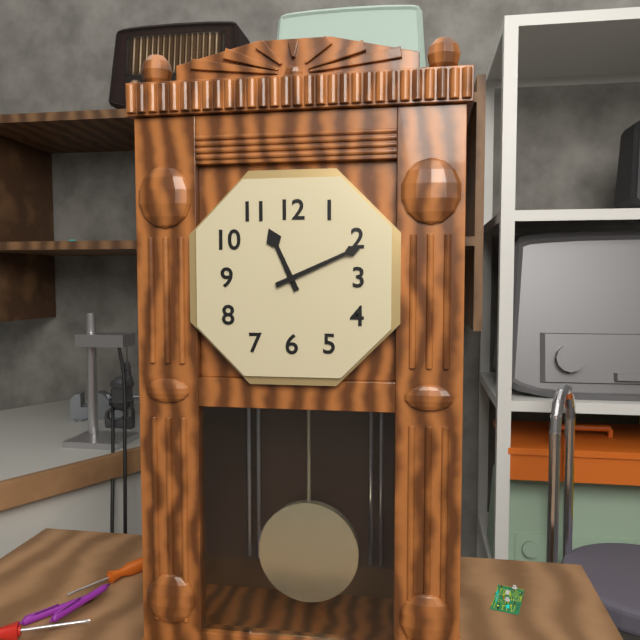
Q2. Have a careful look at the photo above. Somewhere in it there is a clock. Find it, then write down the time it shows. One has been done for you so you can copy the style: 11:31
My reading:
11:11
